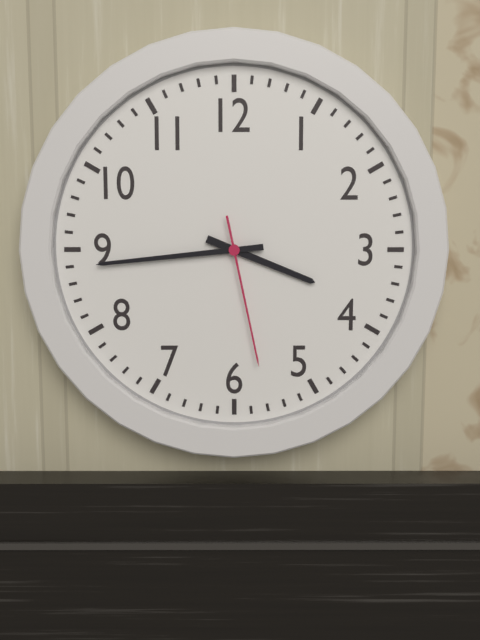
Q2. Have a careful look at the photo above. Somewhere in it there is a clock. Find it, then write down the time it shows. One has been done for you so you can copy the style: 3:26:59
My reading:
3:44:28
